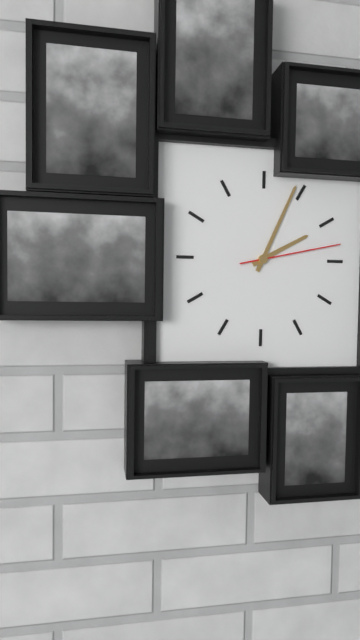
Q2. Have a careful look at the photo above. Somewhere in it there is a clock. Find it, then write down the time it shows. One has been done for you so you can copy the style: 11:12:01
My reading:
2:04:13
